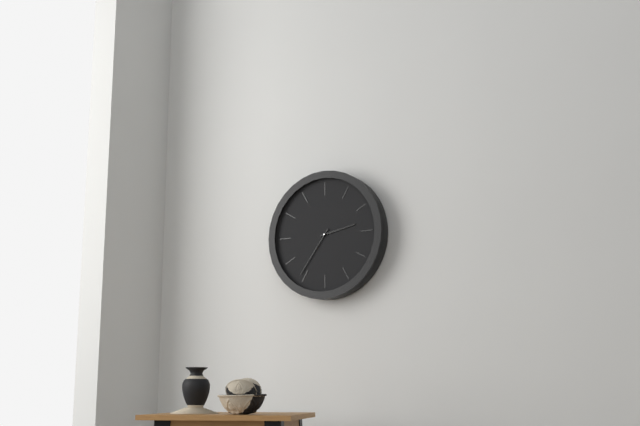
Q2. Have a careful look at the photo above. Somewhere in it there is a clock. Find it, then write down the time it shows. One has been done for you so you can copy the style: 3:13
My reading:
2:36
